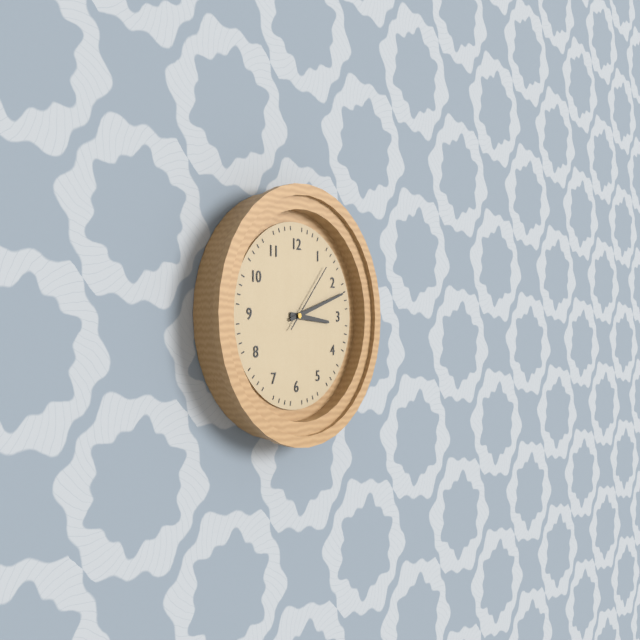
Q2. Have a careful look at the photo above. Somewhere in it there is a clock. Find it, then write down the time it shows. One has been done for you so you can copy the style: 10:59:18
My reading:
3:12:07
